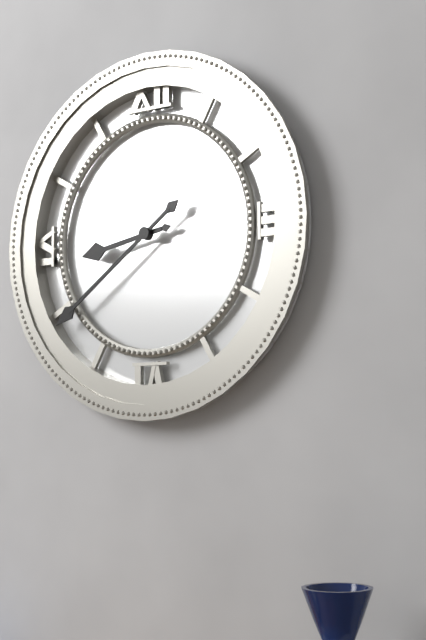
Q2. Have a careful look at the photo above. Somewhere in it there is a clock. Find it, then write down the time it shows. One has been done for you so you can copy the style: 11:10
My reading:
8:39
